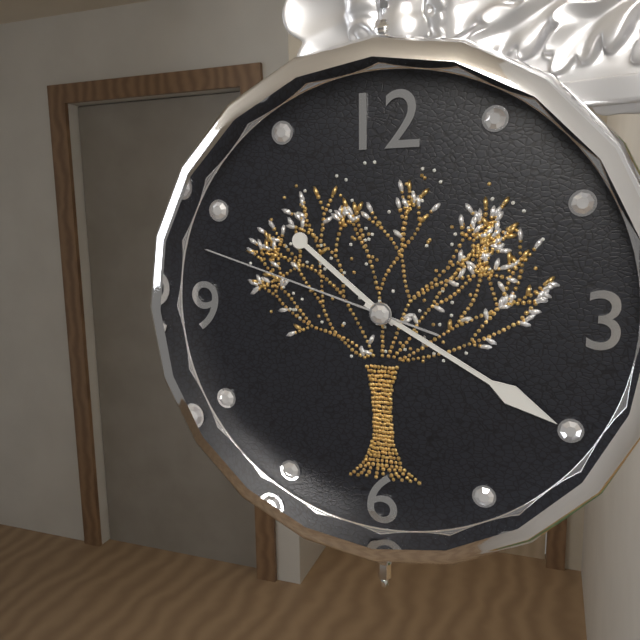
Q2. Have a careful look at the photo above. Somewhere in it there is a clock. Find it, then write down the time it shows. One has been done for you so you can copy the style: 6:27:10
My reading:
10:20:48
